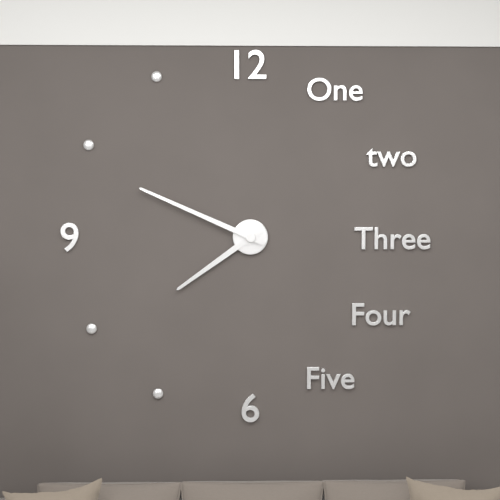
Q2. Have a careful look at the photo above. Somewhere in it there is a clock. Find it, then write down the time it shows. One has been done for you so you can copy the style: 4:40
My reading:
7:49
